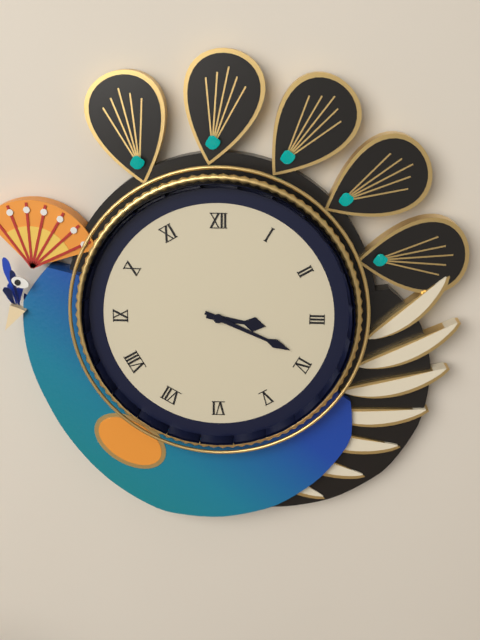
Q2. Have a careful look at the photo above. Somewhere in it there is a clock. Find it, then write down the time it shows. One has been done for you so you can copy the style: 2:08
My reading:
3:19
